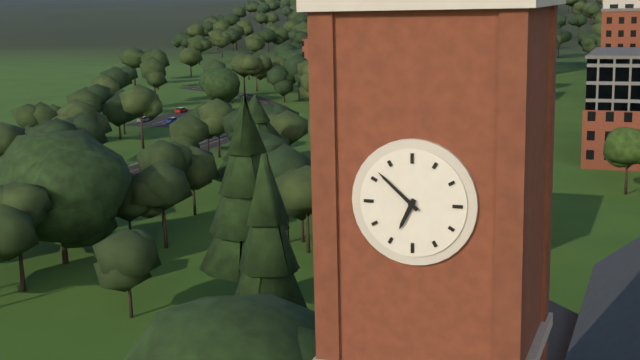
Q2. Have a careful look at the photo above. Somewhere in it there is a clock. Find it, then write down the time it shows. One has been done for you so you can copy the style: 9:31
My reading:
6:52
